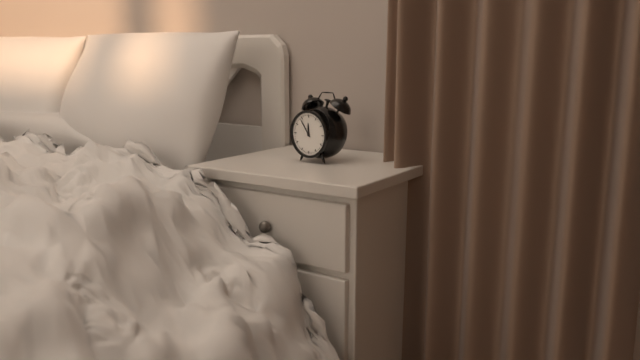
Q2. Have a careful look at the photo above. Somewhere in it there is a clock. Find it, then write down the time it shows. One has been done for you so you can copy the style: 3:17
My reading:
11:54
